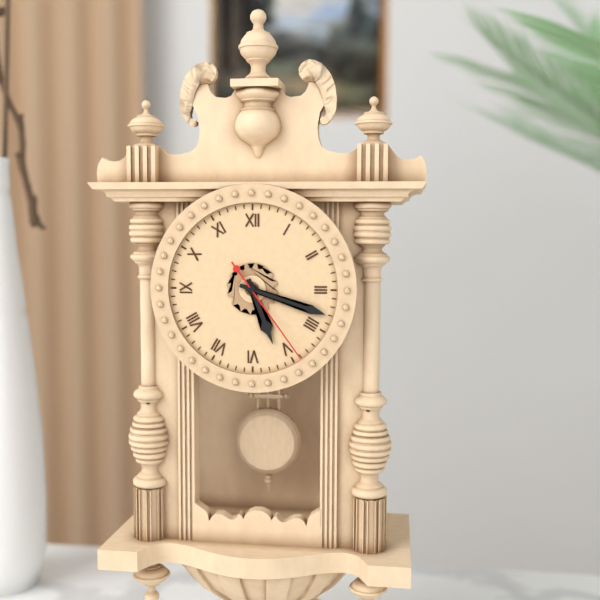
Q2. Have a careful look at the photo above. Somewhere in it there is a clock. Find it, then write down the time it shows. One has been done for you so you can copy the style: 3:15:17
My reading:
5:18:24
